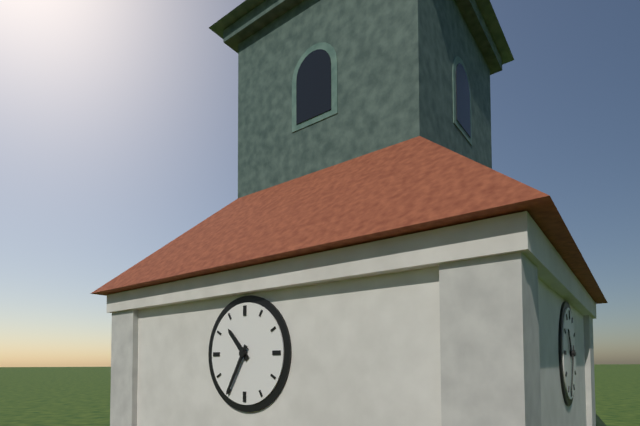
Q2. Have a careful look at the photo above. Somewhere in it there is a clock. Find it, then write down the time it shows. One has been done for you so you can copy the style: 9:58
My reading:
10:35
